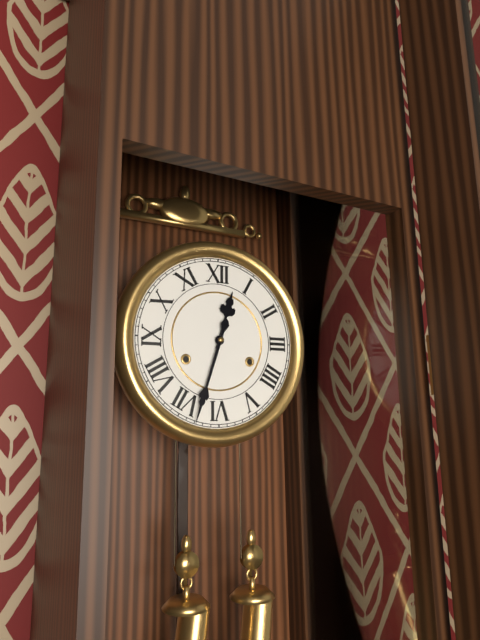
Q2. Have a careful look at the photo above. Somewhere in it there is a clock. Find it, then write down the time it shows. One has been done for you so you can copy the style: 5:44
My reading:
12:33
